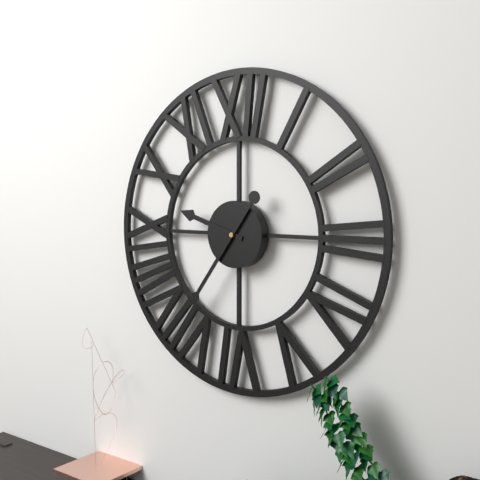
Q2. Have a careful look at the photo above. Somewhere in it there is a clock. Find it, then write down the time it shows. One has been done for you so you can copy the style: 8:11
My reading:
9:36
